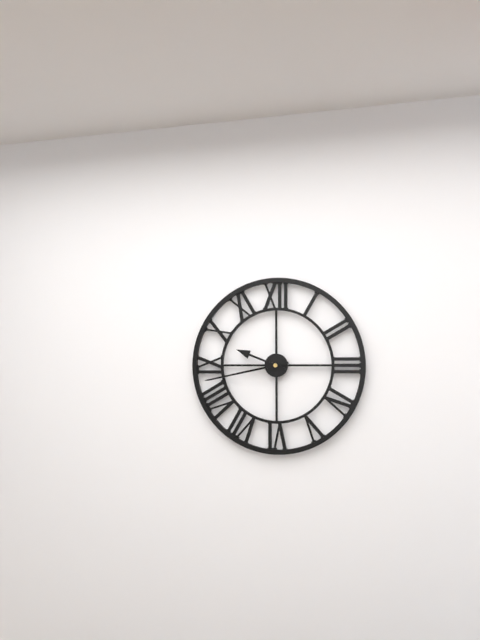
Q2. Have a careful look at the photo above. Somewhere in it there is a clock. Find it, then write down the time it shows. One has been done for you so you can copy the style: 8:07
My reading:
9:43
